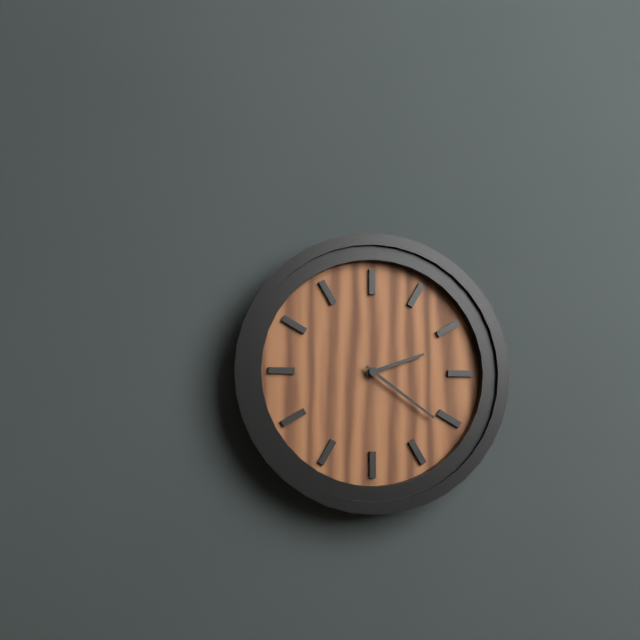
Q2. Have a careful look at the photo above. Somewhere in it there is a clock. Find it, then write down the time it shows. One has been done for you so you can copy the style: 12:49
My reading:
2:21
